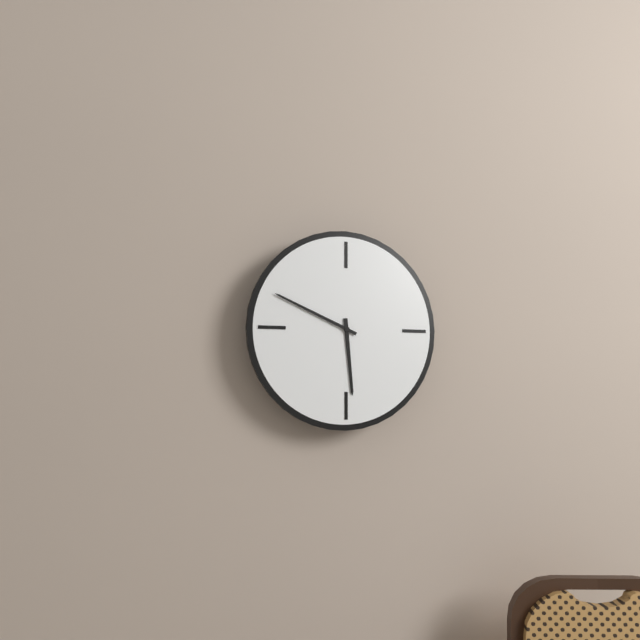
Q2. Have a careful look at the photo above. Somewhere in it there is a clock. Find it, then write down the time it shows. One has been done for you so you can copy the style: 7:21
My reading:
5:49
